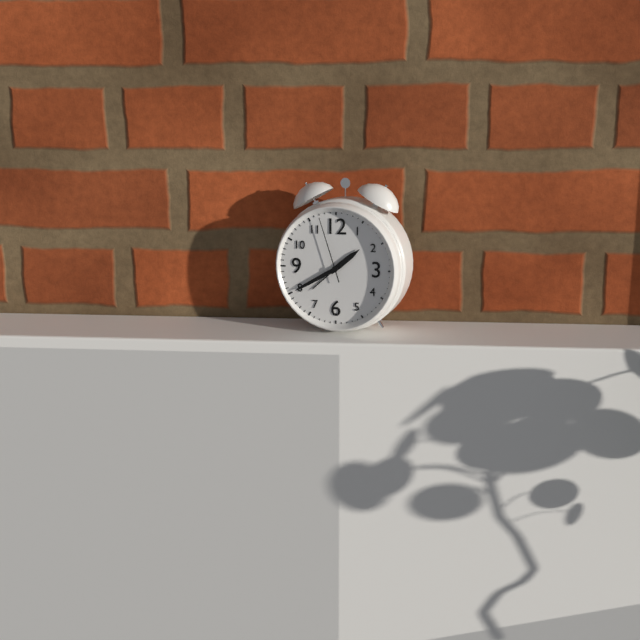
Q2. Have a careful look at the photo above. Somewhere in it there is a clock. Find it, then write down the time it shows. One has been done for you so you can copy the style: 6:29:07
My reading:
1:40:57
